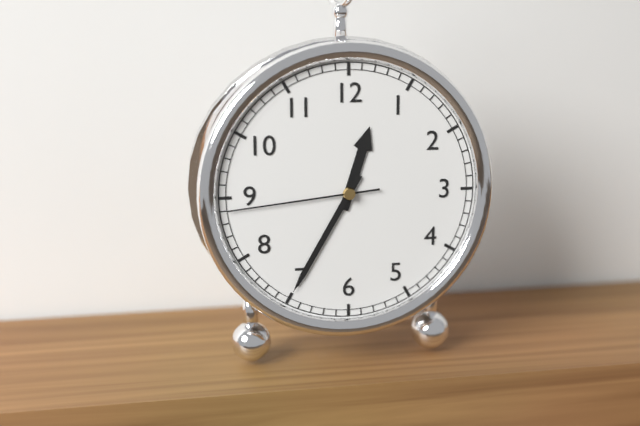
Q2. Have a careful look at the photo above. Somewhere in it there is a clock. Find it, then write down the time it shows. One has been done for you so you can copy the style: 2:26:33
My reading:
12:35:44
